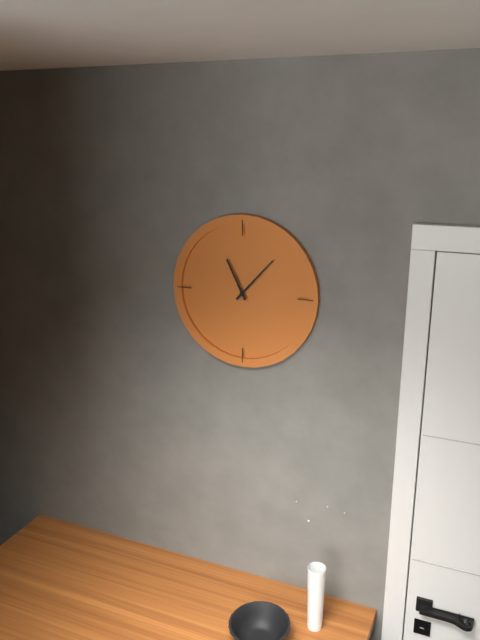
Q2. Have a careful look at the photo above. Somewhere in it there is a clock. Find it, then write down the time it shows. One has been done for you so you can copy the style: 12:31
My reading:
11:07
